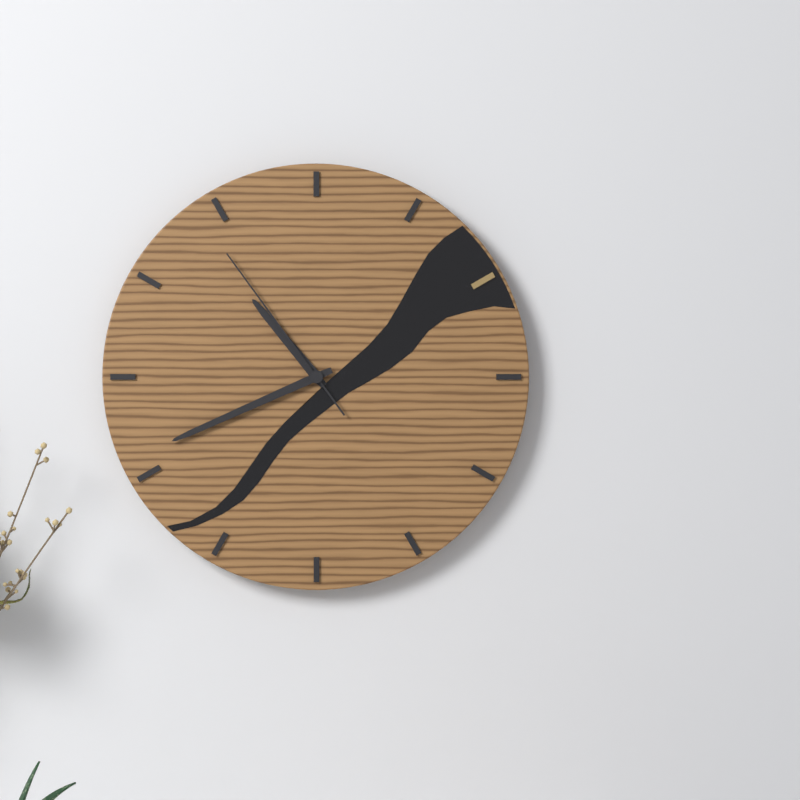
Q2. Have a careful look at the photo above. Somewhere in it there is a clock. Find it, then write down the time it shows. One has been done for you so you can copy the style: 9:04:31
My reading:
10:41:54
